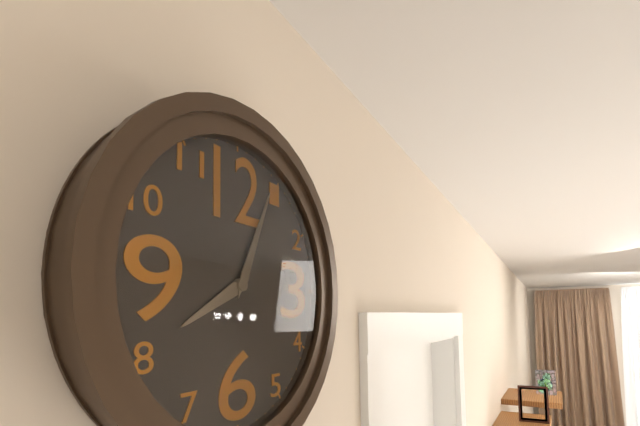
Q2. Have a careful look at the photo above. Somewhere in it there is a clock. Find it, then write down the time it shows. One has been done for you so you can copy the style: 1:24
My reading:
8:04
